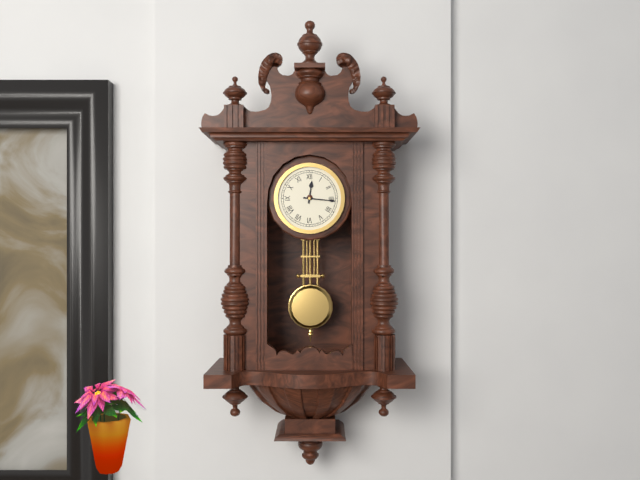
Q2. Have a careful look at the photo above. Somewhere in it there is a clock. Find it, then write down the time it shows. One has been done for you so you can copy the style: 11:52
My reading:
12:16
